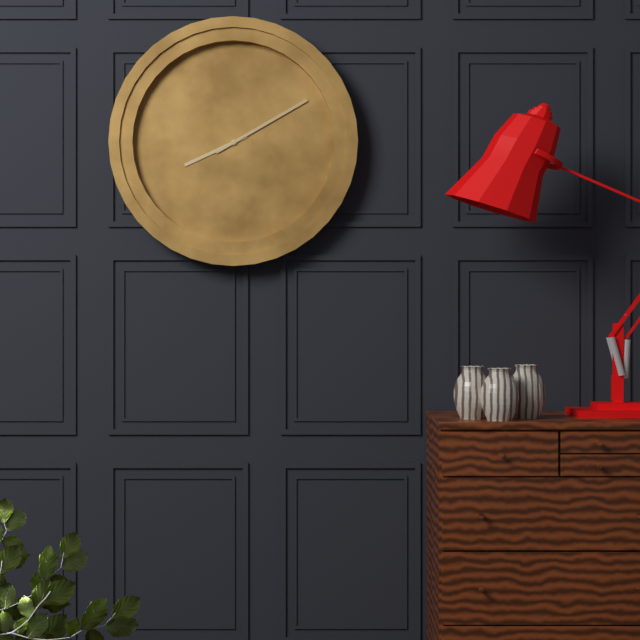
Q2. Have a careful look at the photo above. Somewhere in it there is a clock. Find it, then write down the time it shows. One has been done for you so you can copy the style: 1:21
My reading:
8:10
